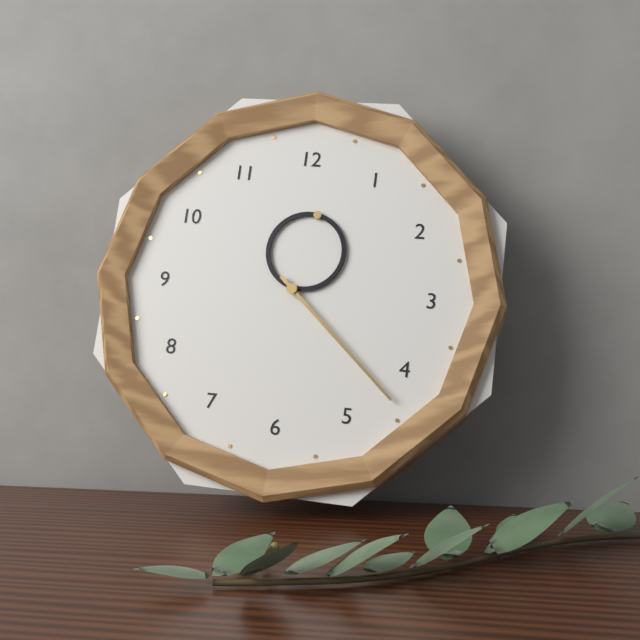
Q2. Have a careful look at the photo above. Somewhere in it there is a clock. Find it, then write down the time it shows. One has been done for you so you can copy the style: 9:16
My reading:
12:22
